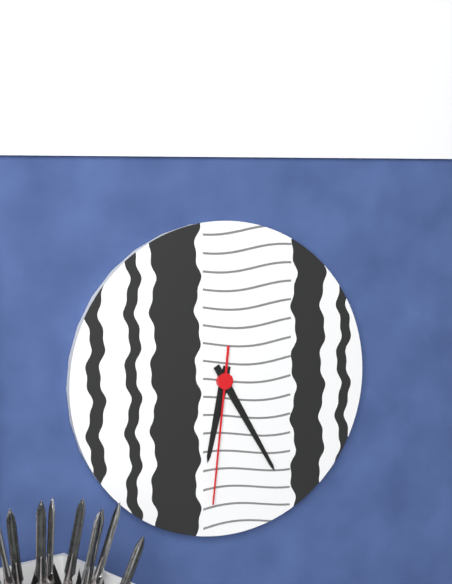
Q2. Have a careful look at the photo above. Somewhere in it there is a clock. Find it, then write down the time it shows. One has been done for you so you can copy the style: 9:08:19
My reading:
6:25:31
